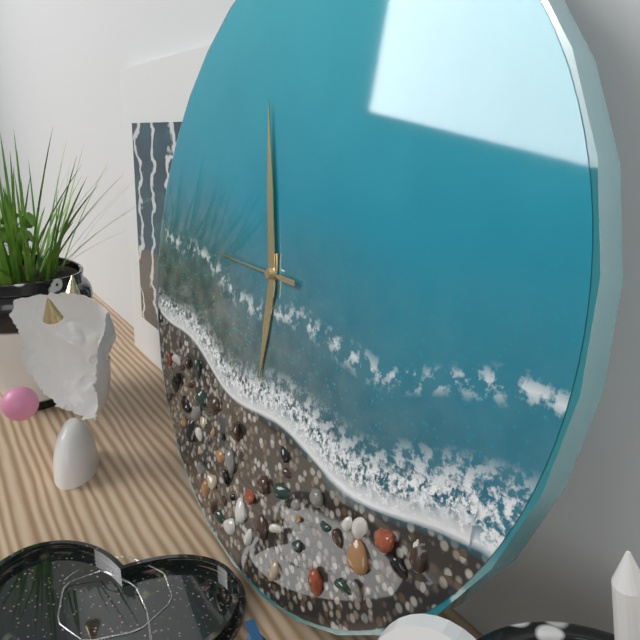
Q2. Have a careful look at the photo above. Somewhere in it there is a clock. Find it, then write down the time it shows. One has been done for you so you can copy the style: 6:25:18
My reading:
5:57:45
